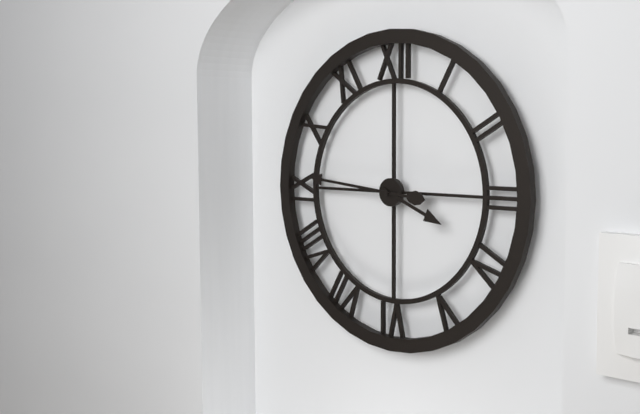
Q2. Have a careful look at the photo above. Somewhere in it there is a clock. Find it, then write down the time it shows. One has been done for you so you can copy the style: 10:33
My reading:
3:46
